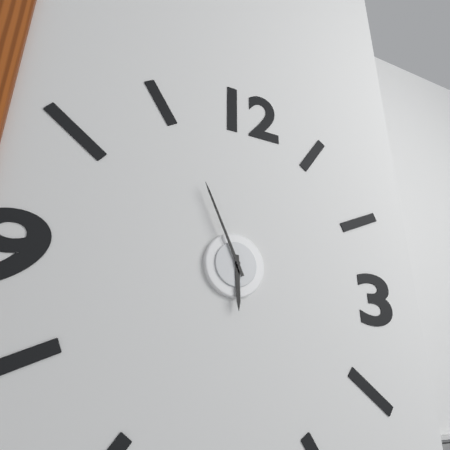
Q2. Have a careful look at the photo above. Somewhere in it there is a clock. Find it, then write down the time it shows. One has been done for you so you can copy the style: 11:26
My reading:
5:56
